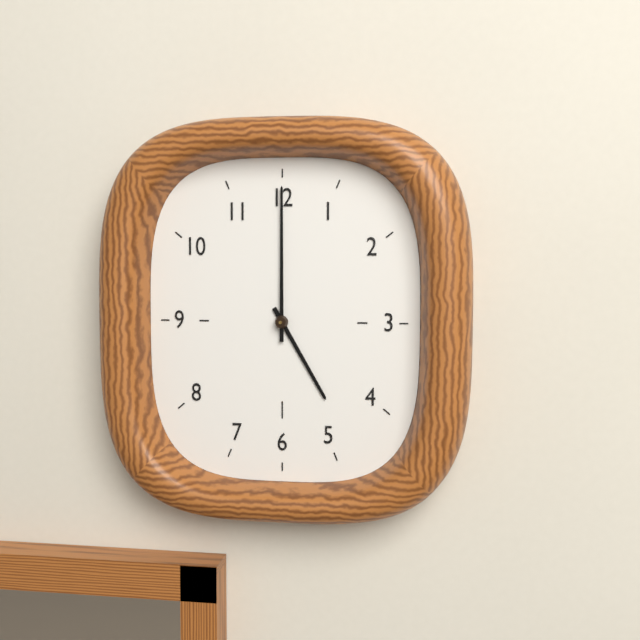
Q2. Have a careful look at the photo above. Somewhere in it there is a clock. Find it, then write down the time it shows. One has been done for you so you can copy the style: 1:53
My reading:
5:00
